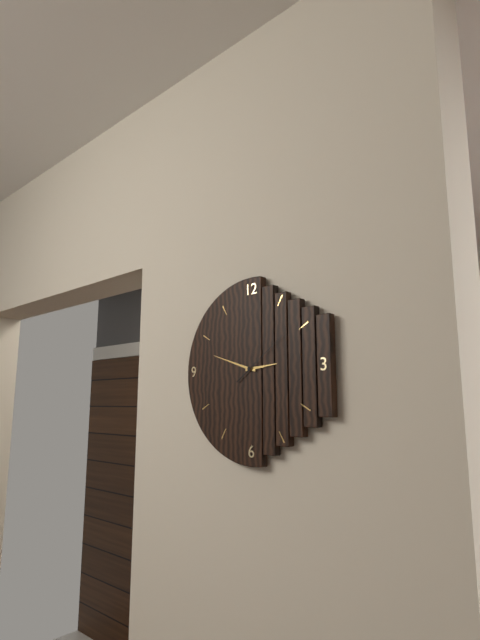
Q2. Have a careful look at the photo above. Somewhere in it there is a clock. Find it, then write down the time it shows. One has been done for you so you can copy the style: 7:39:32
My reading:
2:48:09
